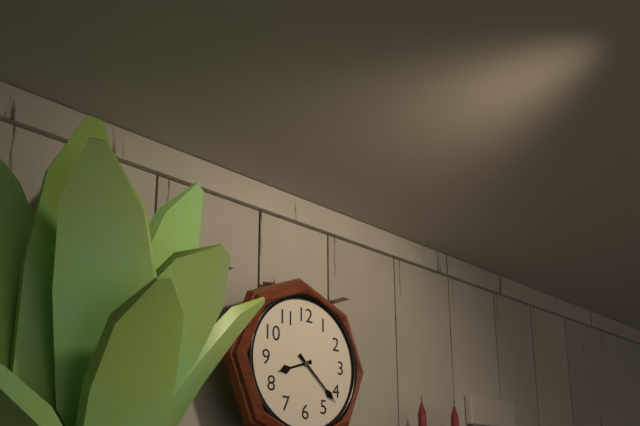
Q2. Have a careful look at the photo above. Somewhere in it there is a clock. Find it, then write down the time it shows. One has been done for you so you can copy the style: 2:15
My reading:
8:22
